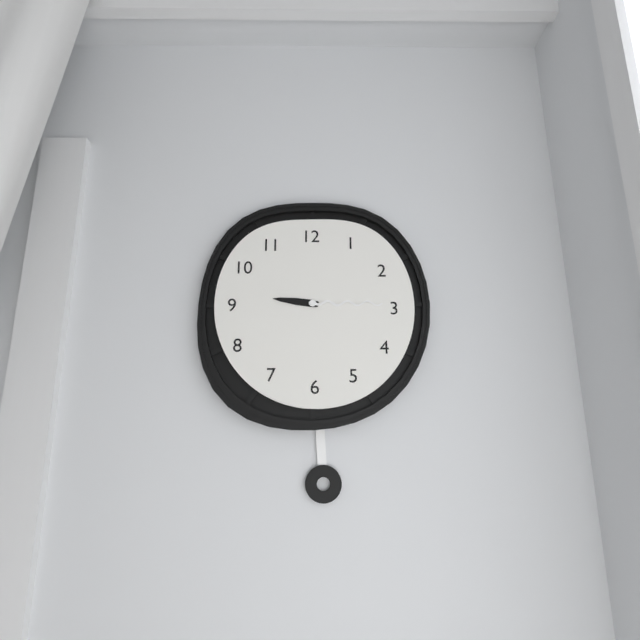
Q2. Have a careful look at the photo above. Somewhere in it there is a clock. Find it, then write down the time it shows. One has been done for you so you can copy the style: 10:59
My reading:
9:15
